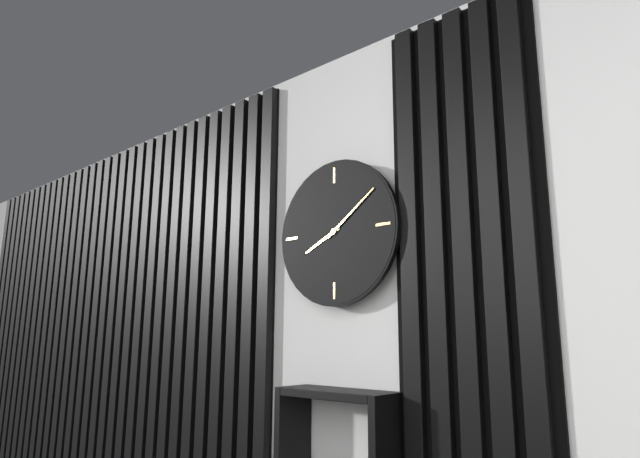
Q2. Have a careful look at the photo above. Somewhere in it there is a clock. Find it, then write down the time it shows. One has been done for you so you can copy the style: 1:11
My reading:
8:09
